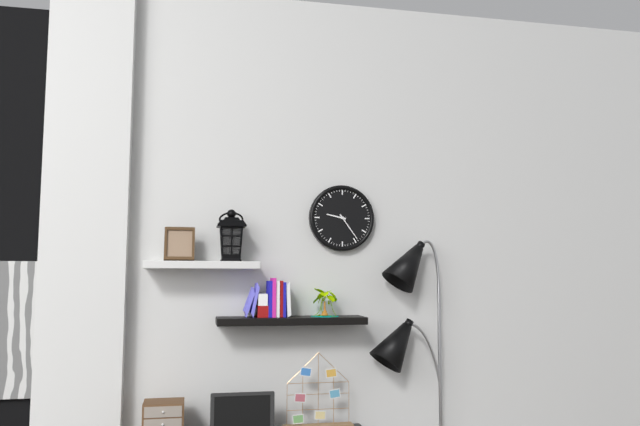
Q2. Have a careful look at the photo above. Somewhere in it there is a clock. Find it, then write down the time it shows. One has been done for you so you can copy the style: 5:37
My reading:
9:24
